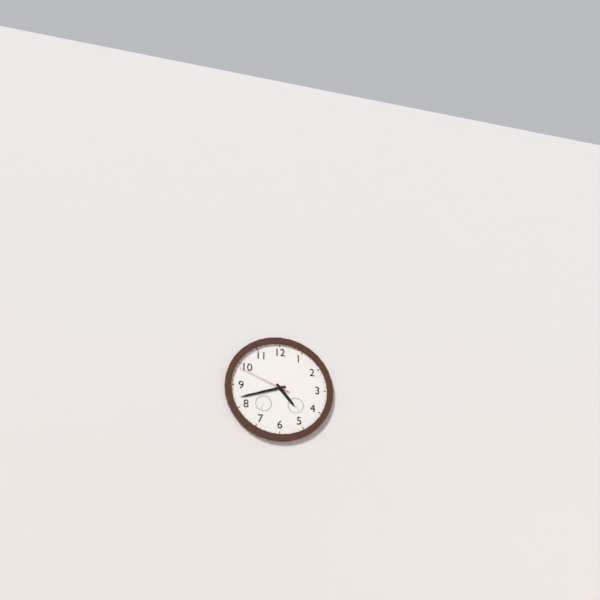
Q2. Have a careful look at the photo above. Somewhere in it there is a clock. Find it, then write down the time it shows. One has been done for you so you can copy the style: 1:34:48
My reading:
4:42:49
